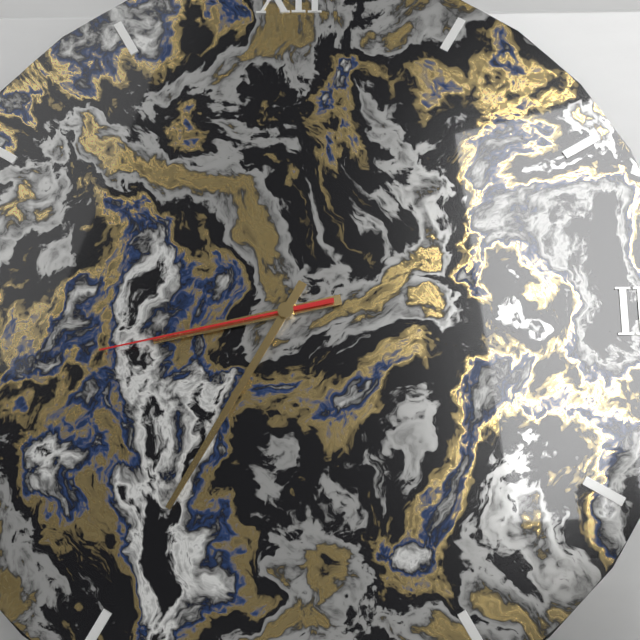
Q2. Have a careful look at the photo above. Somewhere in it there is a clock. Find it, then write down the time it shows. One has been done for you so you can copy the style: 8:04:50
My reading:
8:35:43
